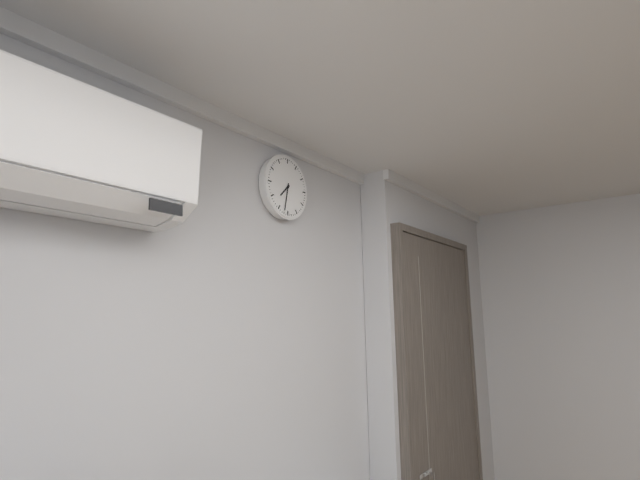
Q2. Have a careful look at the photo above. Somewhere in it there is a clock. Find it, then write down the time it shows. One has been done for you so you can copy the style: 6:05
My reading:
7:32
